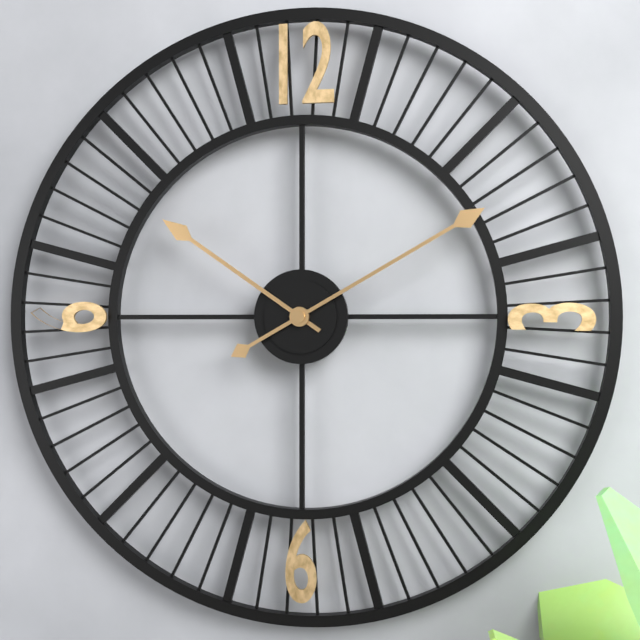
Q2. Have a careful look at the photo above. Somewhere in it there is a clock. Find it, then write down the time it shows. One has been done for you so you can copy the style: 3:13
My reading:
10:10
